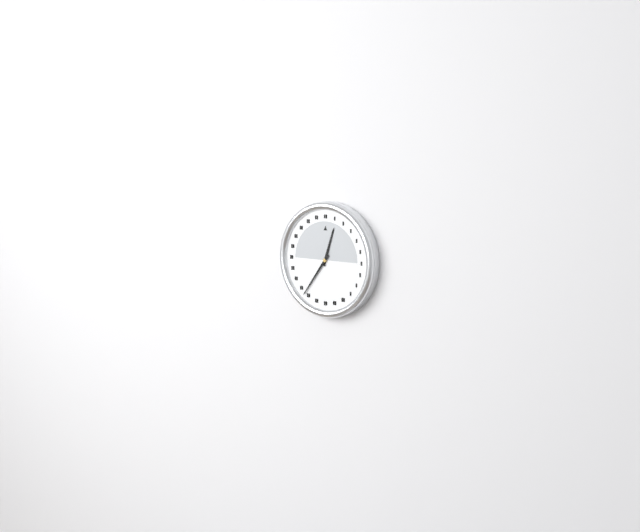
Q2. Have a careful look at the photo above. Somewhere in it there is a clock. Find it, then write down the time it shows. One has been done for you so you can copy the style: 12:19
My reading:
12:36
